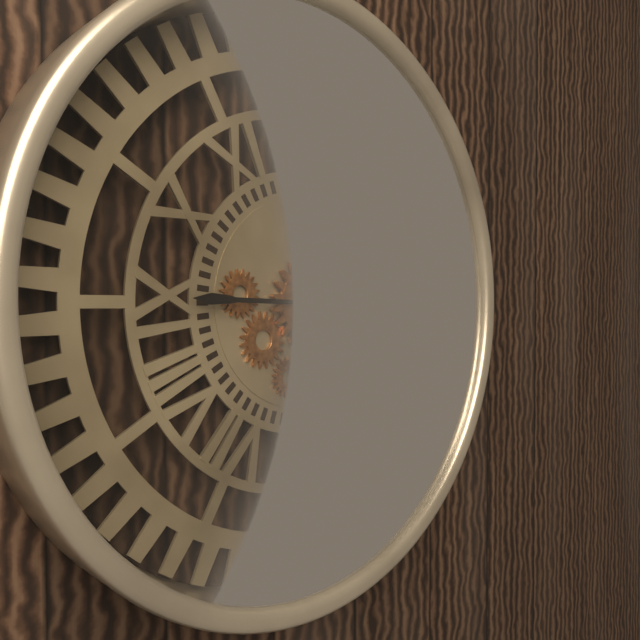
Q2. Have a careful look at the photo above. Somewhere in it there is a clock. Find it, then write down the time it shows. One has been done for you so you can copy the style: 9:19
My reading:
9:03
